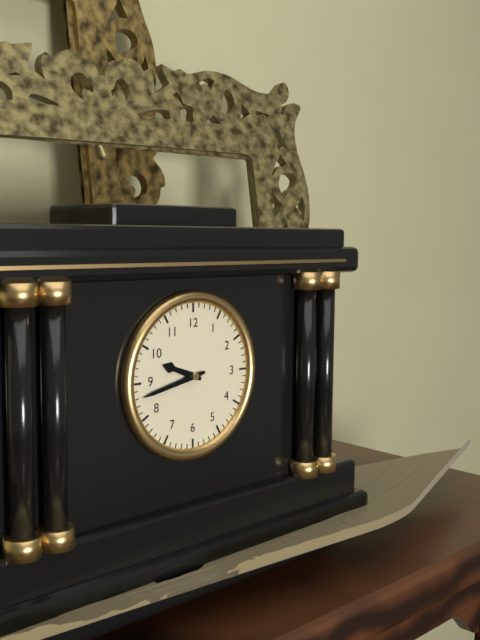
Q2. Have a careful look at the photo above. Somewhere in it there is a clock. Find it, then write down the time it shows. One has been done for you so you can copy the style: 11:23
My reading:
9:43
